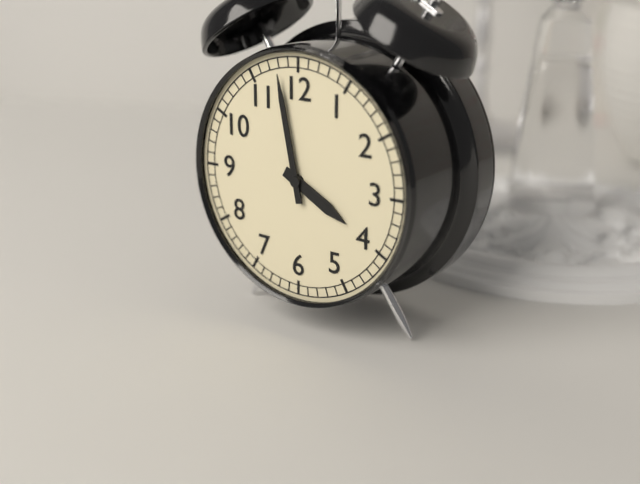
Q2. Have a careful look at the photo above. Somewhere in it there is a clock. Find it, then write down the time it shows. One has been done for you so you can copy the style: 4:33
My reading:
3:58
